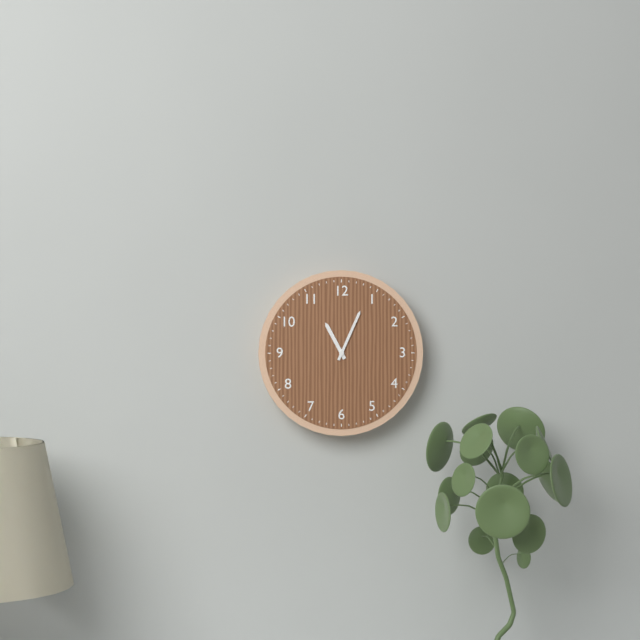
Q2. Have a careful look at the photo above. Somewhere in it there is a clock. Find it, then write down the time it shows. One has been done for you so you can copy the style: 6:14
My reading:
11:04
